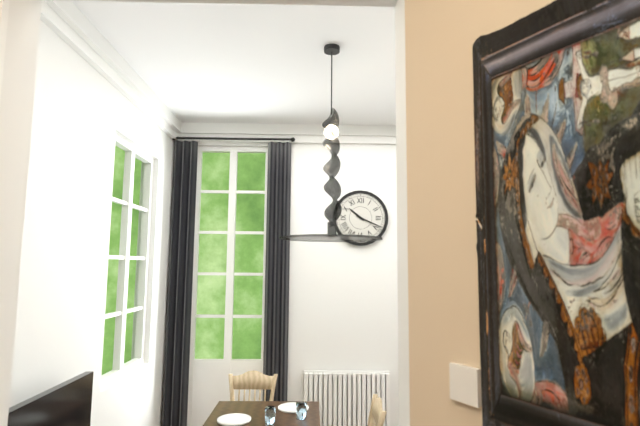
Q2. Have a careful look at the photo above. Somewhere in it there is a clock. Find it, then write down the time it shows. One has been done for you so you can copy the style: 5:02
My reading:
10:19
